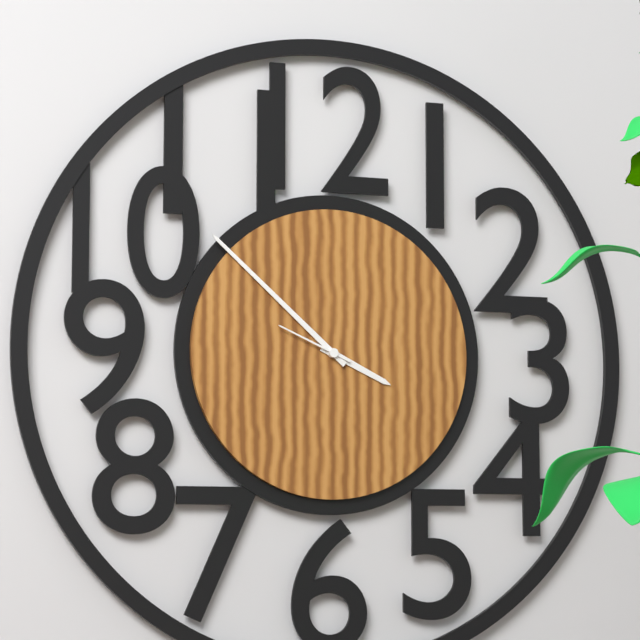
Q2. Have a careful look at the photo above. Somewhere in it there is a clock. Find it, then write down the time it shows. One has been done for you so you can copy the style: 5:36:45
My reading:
3:52:49
